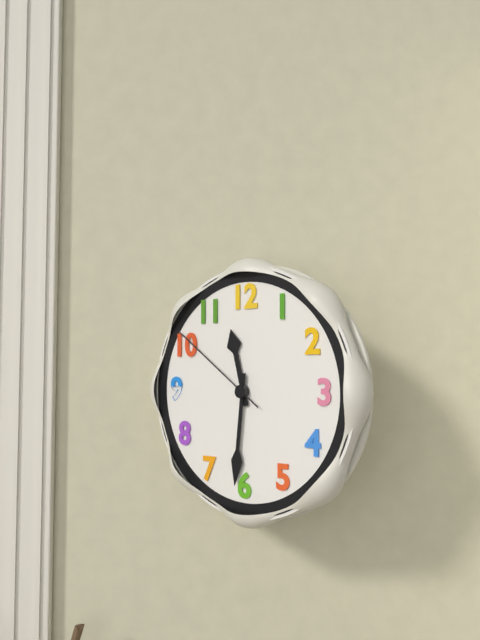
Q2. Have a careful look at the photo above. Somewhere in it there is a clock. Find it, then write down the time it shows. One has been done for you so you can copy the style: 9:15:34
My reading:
11:31:51
